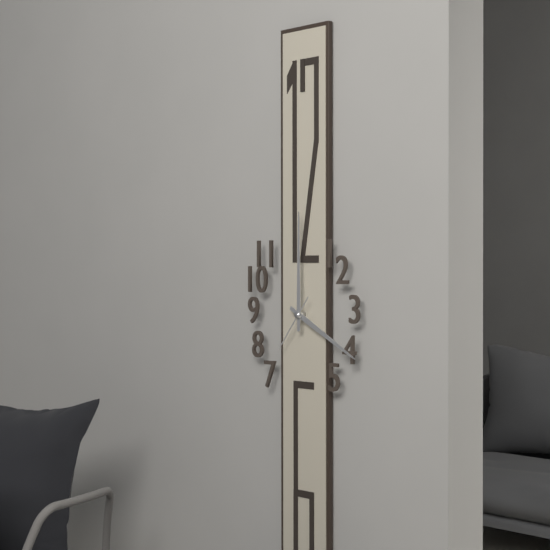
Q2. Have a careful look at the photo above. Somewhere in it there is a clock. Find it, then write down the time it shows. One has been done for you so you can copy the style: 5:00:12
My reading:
4:00:36
